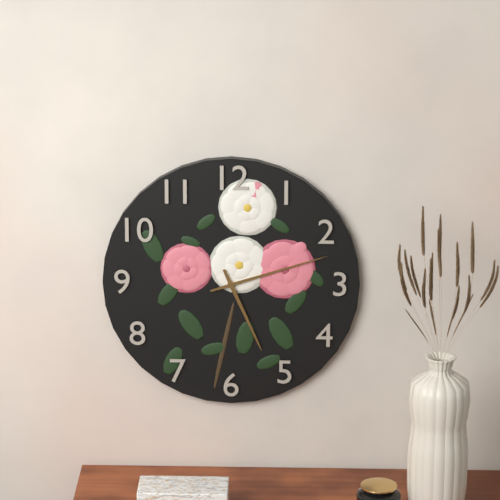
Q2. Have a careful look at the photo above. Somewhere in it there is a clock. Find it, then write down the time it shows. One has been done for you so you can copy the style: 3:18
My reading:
5:12
